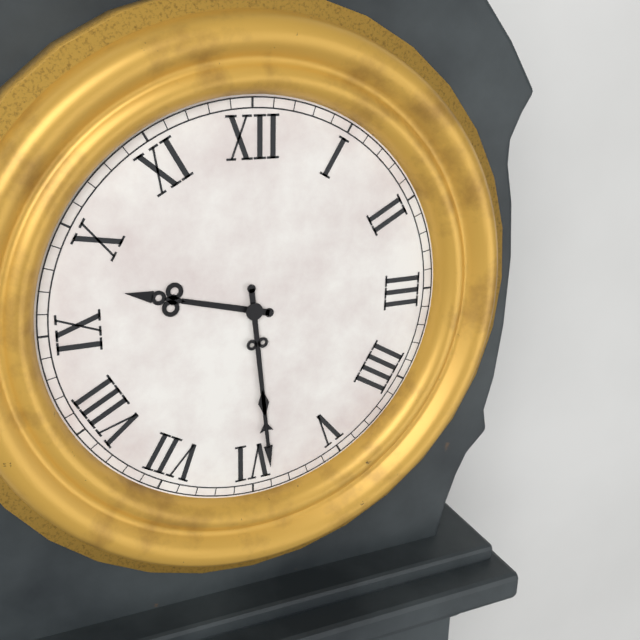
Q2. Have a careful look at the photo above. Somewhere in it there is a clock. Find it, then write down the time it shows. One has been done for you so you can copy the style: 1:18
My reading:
9:29
